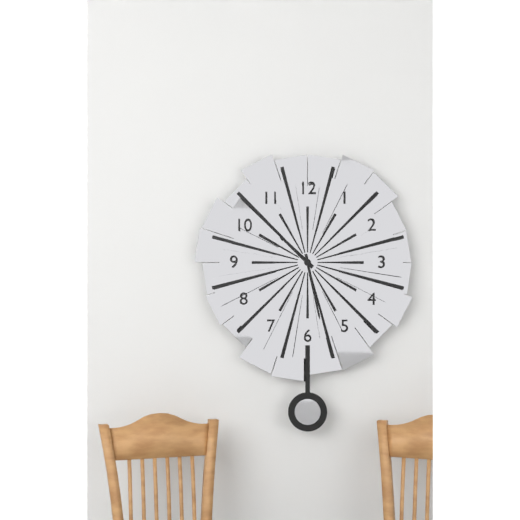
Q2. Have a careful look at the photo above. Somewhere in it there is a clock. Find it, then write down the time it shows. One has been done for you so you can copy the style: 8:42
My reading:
10:28
